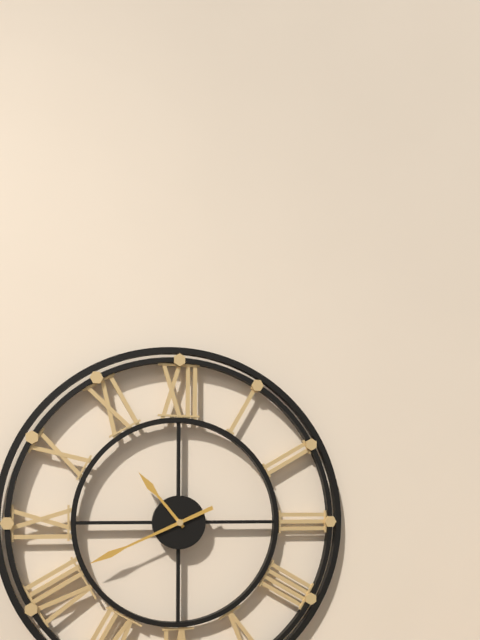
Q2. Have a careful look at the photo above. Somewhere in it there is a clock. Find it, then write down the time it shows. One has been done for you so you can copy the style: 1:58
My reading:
10:41
